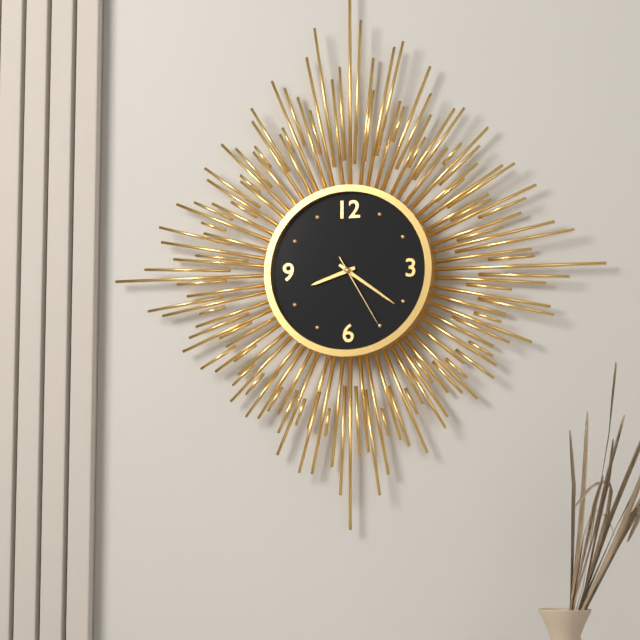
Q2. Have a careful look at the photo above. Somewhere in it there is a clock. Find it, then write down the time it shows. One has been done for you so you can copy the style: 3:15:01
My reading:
8:21:25
